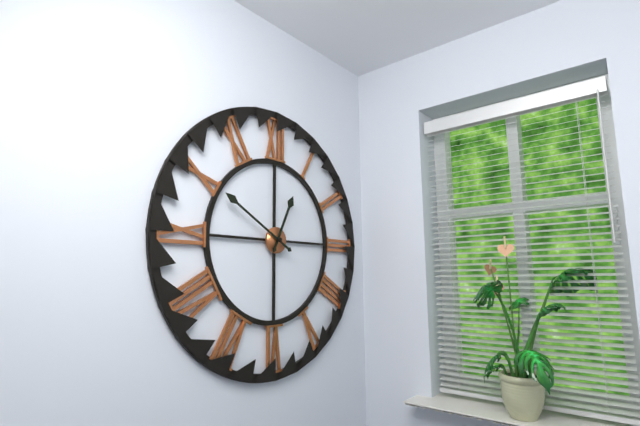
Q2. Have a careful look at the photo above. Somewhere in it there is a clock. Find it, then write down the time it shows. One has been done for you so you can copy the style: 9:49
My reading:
12:50
